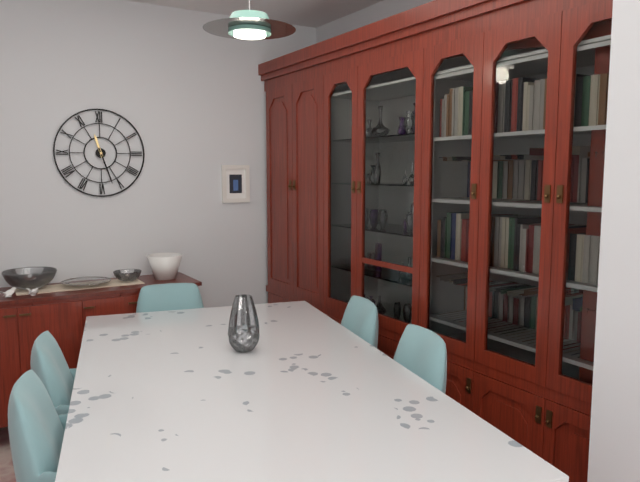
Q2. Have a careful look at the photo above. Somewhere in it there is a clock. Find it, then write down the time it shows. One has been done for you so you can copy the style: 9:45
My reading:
11:27
